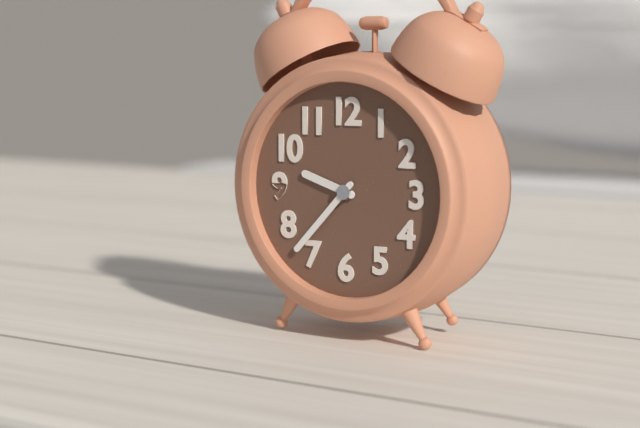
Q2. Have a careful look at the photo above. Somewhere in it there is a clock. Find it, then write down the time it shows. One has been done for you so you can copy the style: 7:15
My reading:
9:37
